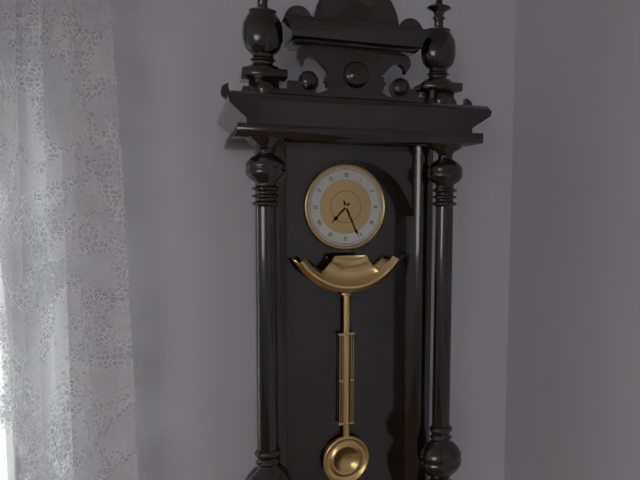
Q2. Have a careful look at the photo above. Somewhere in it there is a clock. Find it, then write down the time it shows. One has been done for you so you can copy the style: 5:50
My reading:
7:26
